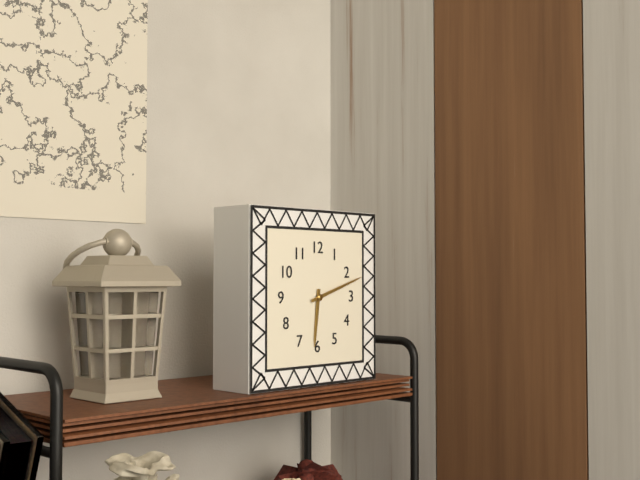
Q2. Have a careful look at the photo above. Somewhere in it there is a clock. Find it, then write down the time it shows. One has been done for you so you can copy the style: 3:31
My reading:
6:12
